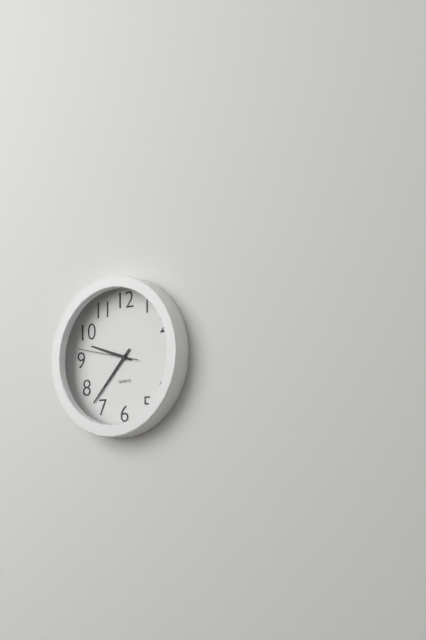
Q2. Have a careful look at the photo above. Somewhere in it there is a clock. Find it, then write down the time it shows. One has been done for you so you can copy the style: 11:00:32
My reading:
9:37:47
